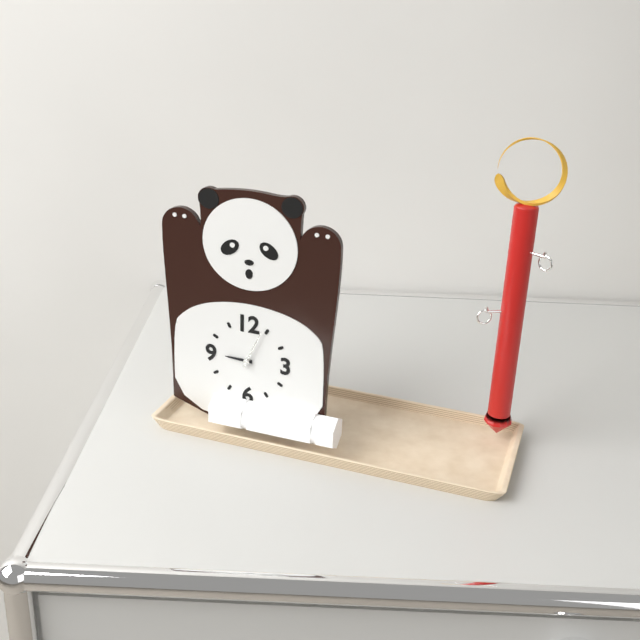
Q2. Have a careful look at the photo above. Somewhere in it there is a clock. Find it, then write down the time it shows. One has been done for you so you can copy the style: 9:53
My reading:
9:04
